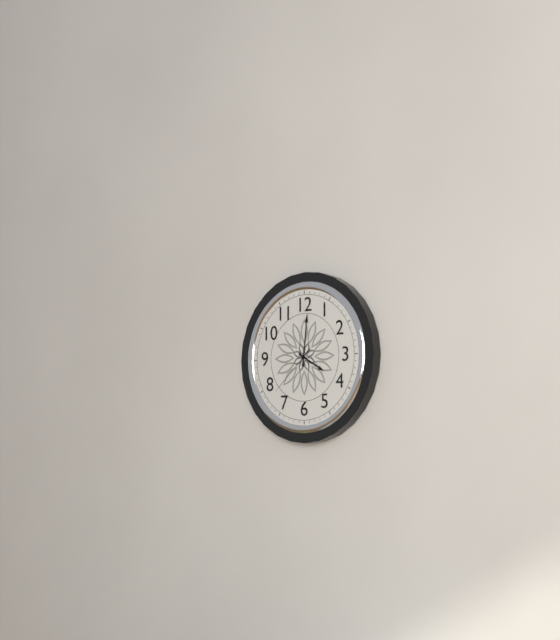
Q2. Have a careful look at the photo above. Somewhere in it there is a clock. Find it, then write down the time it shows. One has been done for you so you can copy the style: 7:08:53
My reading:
4:01:38
